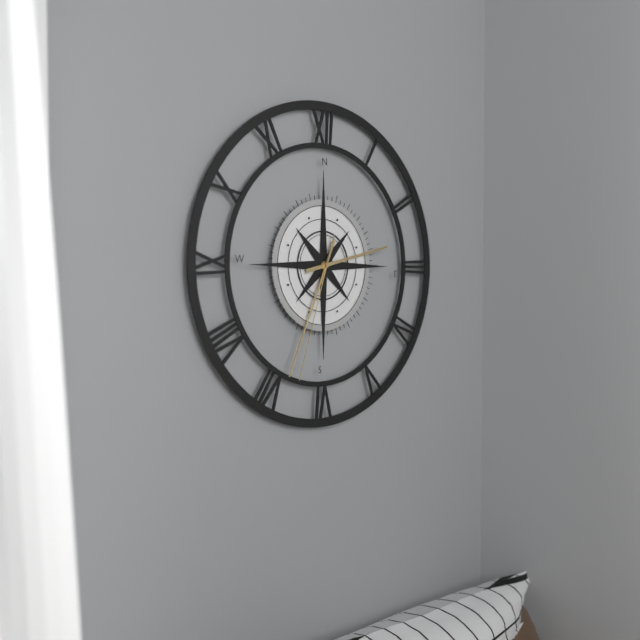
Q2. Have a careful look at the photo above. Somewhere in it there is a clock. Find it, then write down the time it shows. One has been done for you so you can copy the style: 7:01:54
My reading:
2:34:33
